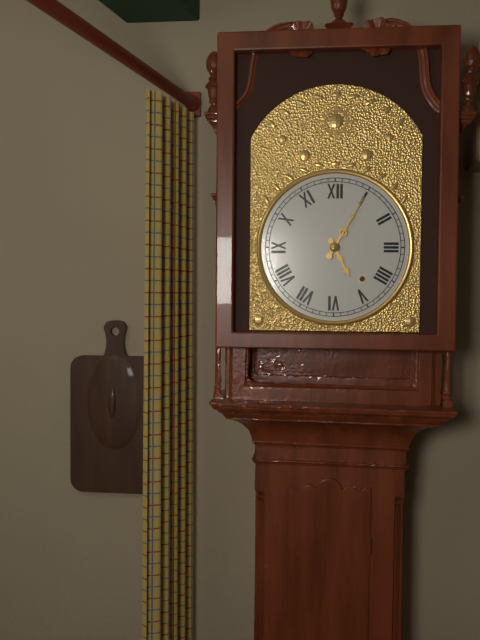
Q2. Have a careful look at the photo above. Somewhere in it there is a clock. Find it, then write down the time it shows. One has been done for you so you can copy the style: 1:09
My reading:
5:05
